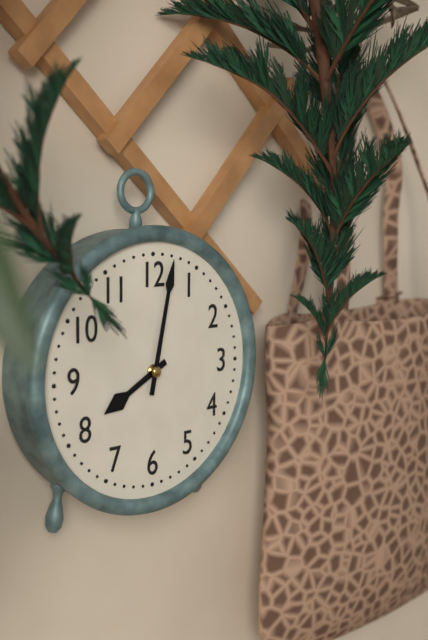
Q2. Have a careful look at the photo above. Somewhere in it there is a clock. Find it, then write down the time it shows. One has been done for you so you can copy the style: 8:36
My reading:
8:02
